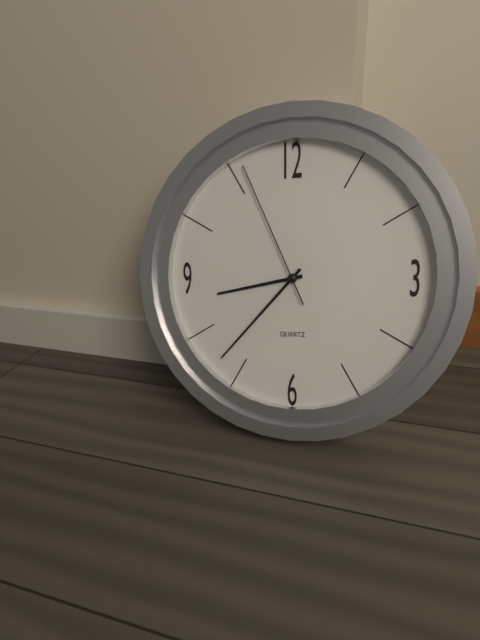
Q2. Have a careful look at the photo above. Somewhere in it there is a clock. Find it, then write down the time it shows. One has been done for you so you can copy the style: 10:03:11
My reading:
8:37:56
